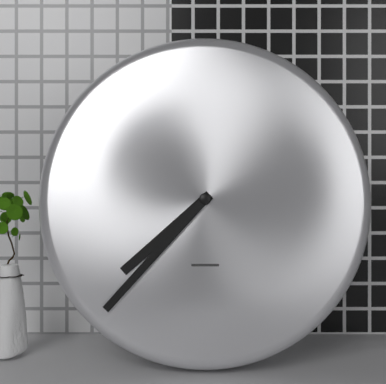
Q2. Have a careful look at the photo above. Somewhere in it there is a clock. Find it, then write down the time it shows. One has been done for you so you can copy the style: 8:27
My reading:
7:37
